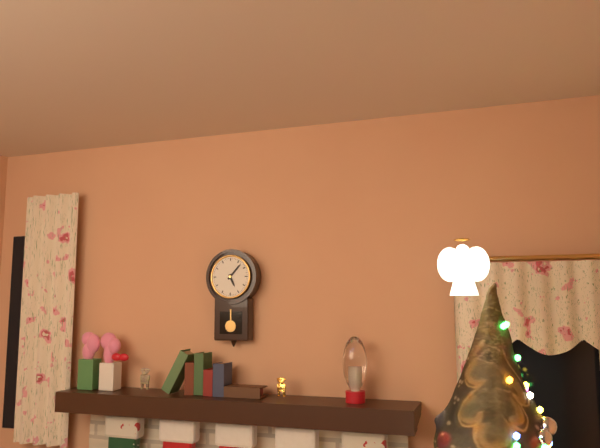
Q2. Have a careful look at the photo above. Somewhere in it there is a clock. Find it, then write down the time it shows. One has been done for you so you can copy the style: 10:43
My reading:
5:07
